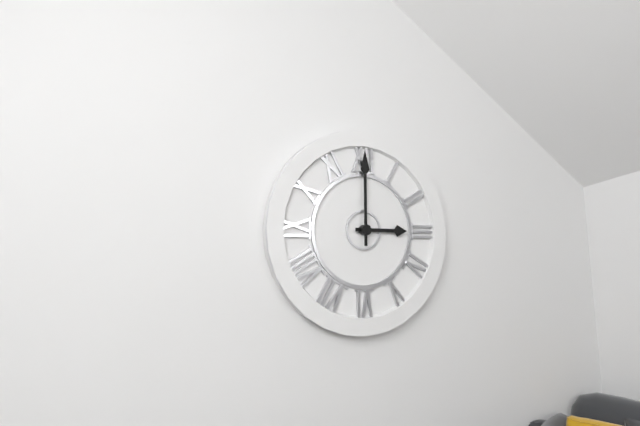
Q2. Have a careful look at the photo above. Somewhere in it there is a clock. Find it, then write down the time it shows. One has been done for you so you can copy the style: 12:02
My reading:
3:00
